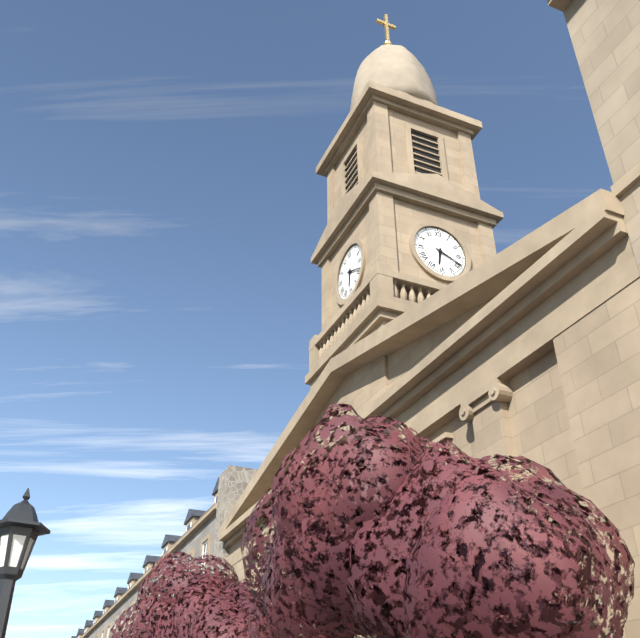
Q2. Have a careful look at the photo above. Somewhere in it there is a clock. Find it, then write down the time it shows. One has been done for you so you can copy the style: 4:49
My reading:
6:19
